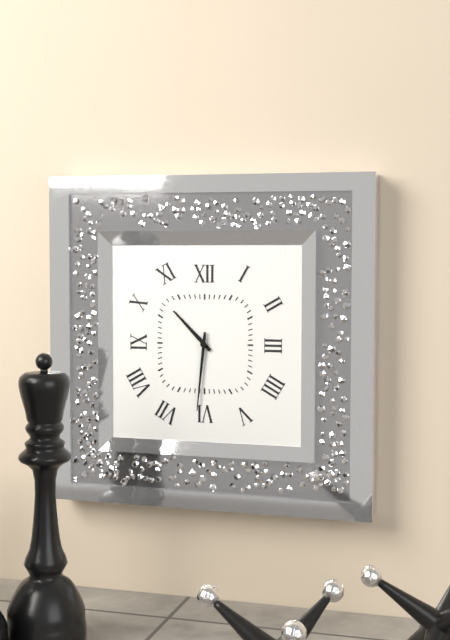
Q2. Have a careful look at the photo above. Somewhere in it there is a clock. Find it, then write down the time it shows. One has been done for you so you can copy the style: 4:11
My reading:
10:31
